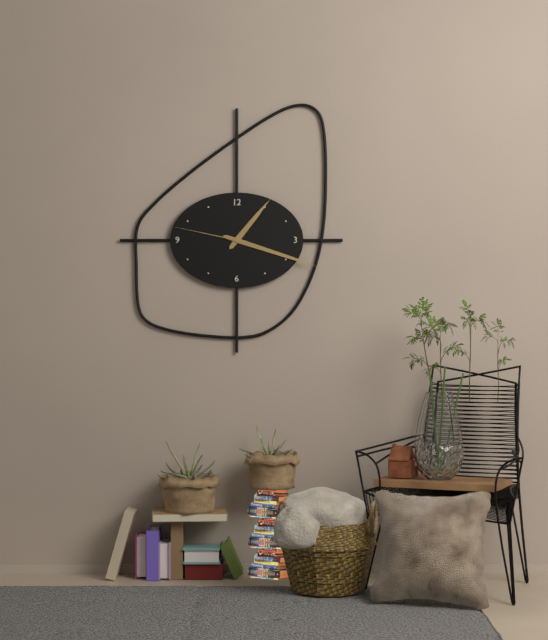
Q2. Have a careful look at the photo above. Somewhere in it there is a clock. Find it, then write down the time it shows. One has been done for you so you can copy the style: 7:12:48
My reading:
1:18:47
